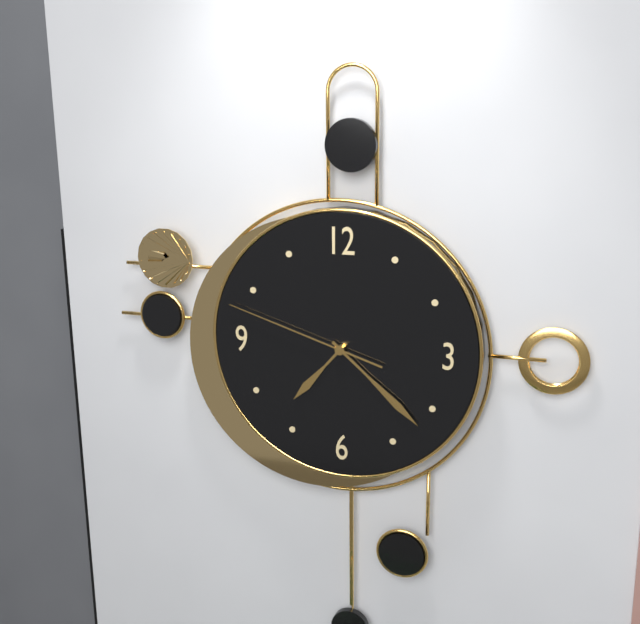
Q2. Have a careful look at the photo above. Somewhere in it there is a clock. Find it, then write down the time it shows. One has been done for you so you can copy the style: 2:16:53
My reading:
7:22:48
